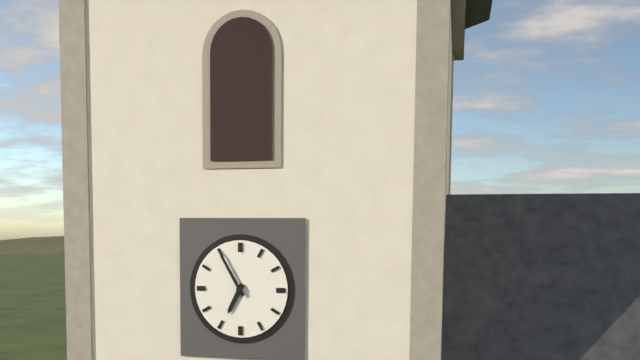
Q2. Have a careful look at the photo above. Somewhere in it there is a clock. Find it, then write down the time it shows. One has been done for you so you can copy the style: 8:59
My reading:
6:55
